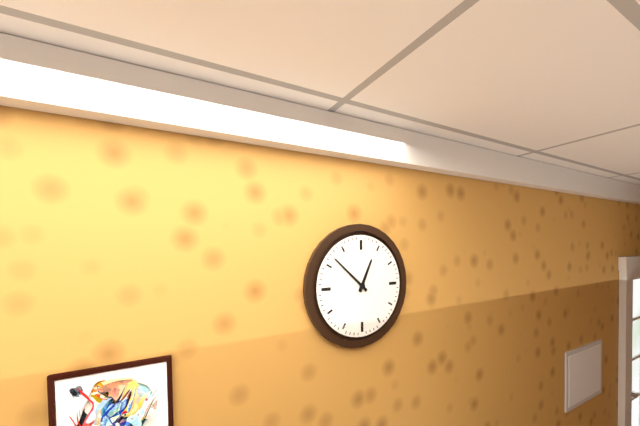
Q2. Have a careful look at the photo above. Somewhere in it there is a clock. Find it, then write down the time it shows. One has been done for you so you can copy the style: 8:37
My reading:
12:52
